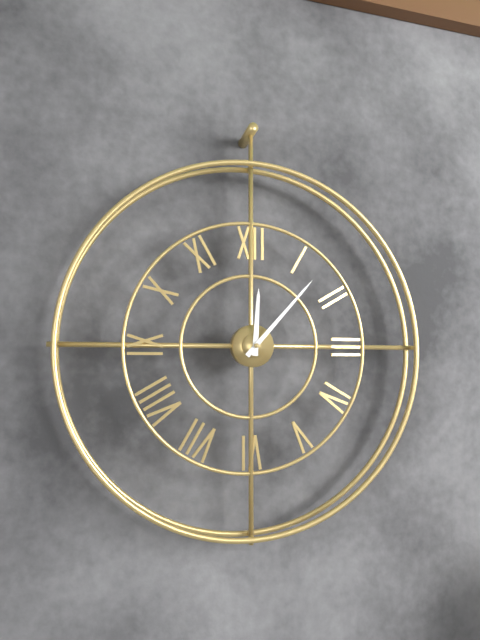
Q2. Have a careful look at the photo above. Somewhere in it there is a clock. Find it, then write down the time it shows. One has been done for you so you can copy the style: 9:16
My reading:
12:07
